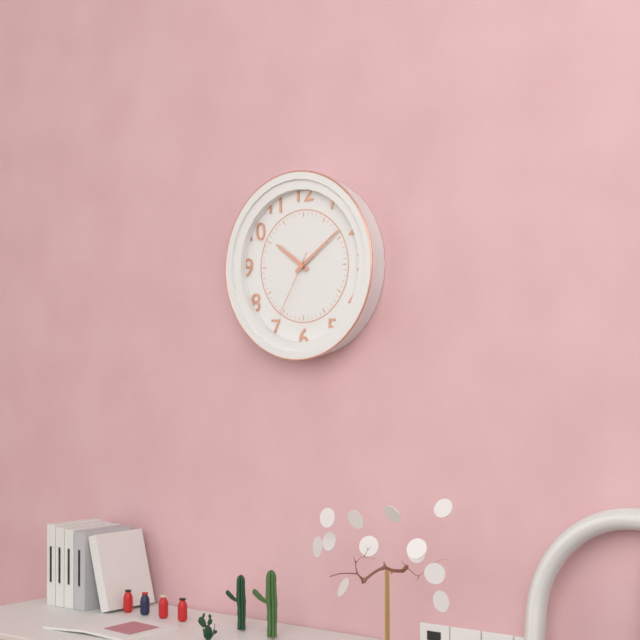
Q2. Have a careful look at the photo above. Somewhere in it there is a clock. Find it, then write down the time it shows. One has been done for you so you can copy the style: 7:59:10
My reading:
10:09:35
